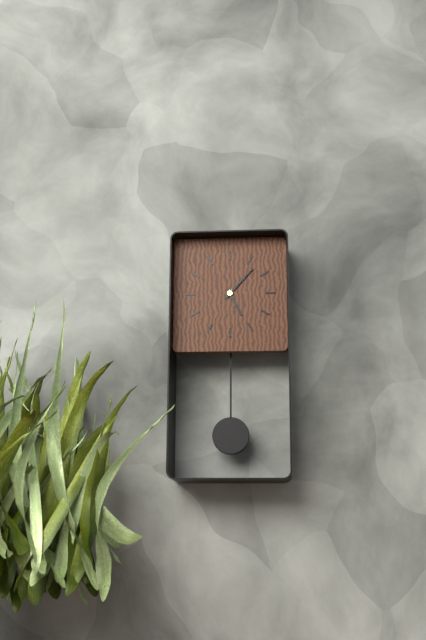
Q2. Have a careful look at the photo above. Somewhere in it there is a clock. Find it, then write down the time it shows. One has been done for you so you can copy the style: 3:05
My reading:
5:07
